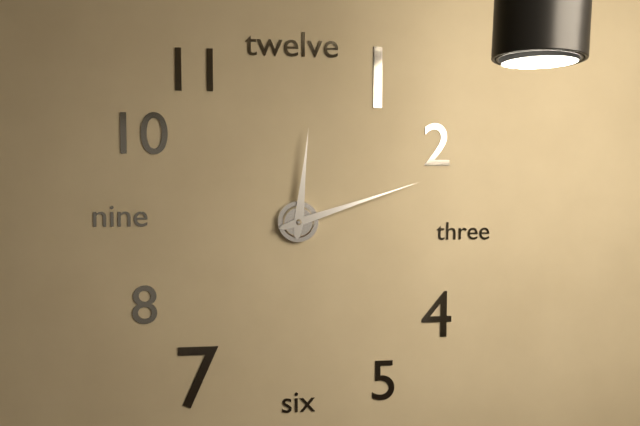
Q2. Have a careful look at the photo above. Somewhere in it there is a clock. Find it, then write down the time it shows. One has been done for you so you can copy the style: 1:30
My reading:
12:12
